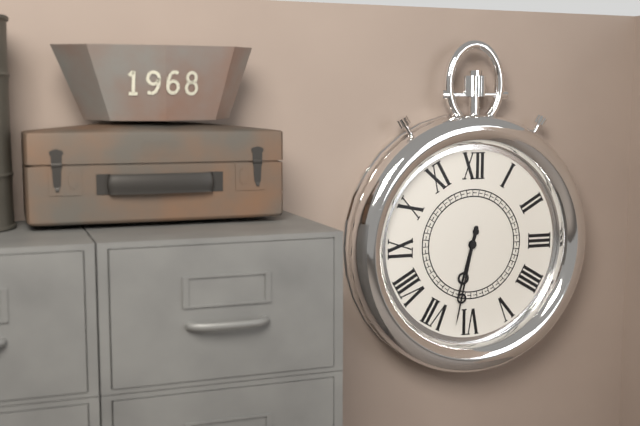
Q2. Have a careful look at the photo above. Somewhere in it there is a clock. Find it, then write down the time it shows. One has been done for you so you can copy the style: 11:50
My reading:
6:32
